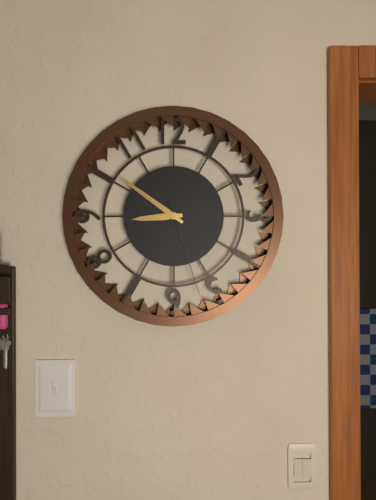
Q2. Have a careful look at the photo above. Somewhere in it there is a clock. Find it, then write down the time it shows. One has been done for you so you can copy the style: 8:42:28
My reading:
8:51:27
